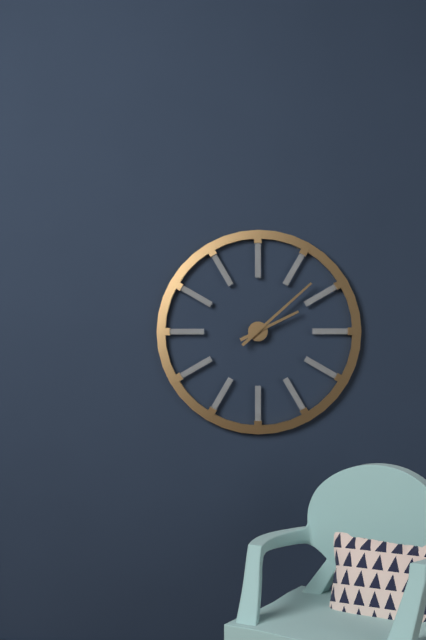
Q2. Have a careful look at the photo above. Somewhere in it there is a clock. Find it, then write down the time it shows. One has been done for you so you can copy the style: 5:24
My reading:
2:08
